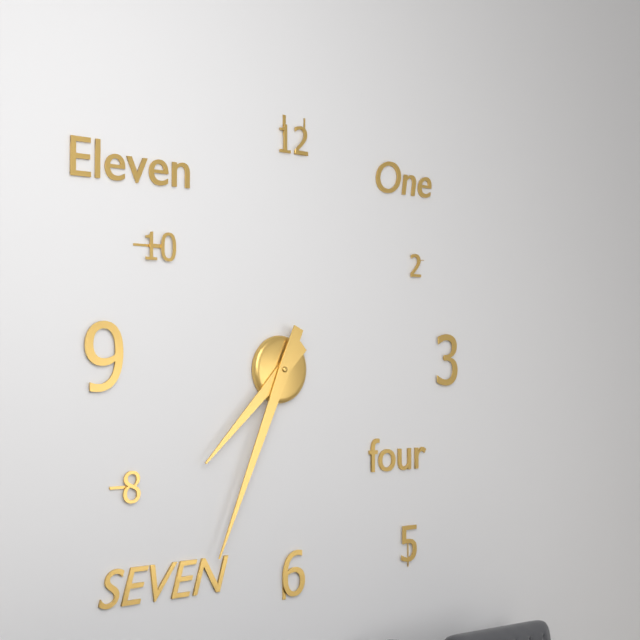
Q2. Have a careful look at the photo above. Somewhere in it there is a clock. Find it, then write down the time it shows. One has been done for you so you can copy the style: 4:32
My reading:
7:34
